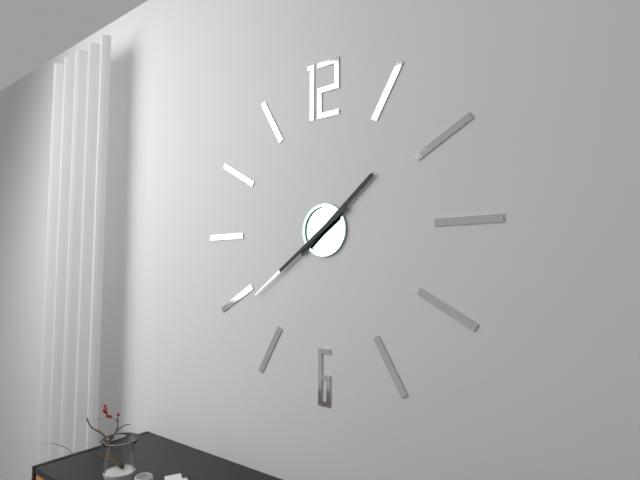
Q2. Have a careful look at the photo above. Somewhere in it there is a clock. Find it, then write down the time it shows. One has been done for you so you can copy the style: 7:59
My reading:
1:39
